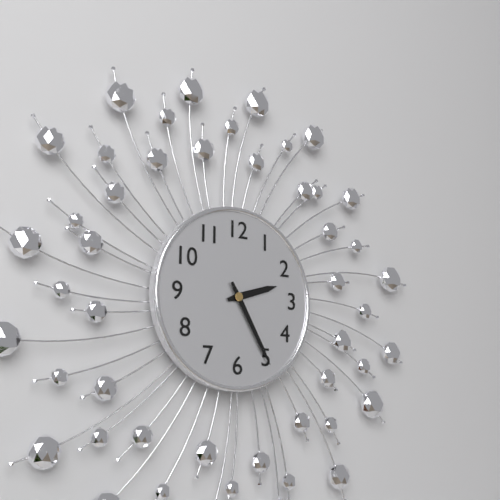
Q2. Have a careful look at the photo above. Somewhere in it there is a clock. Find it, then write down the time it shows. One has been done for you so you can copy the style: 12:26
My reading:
2:25
